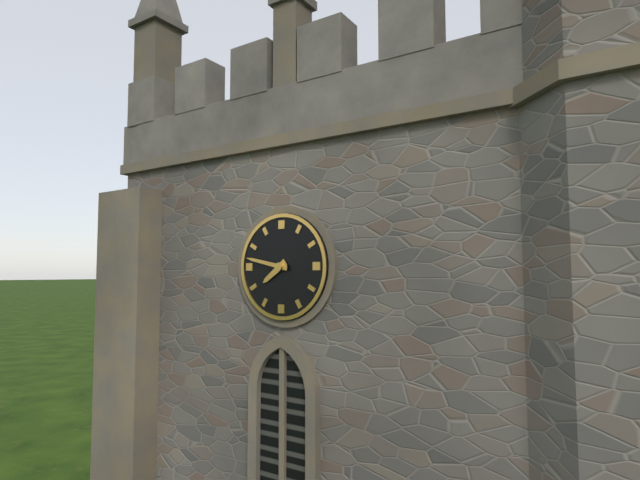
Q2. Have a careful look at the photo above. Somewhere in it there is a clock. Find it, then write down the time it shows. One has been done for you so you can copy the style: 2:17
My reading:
7:47
